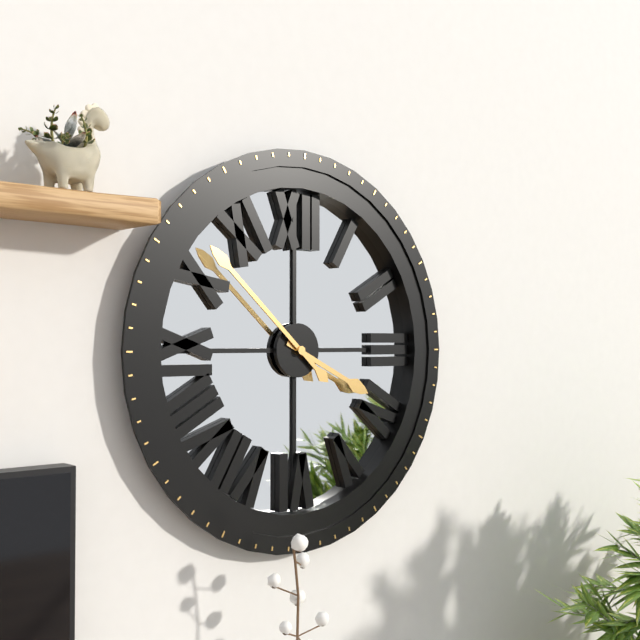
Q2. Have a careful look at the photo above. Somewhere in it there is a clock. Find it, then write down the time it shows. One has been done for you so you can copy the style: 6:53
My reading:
3:52
